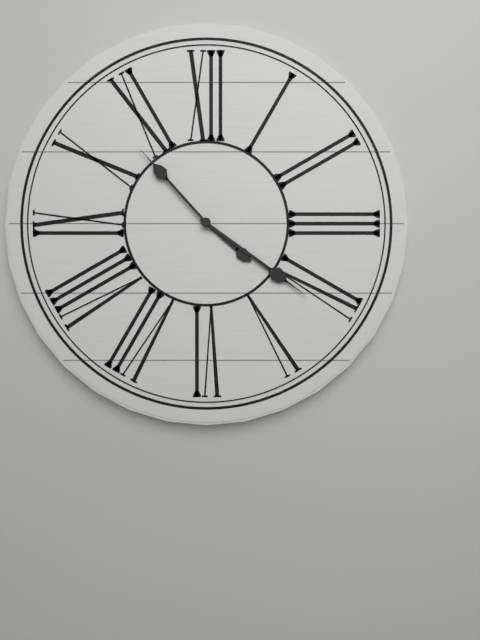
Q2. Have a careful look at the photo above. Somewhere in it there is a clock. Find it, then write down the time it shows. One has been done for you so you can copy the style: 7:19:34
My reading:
4:21:53
